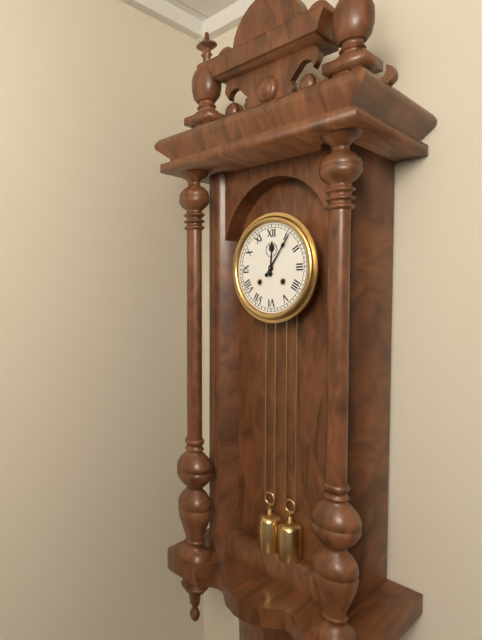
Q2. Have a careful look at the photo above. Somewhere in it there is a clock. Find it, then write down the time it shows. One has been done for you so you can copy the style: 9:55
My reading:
12:06
